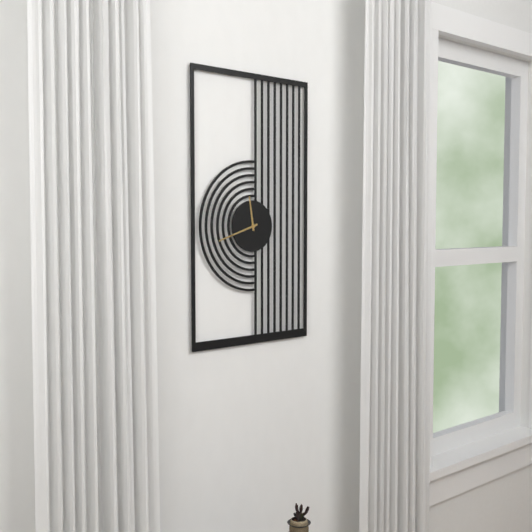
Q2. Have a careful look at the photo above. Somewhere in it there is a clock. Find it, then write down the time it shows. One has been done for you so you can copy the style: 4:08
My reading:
11:42
